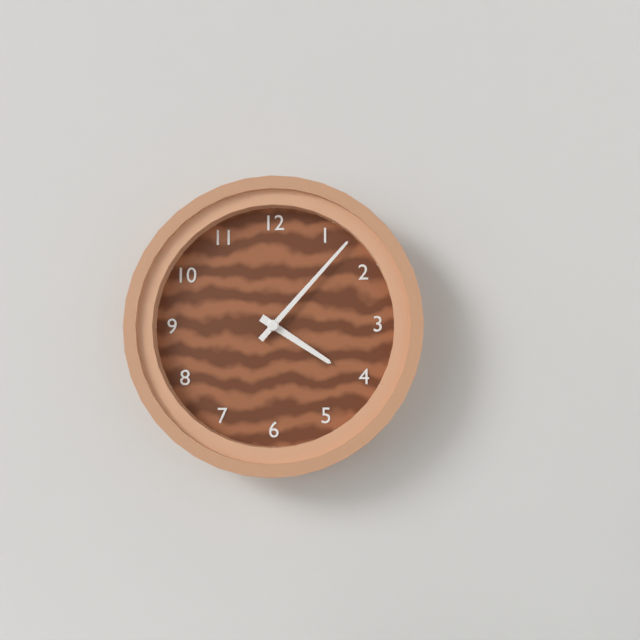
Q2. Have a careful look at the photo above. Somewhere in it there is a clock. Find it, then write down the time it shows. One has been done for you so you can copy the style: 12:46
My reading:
4:07
